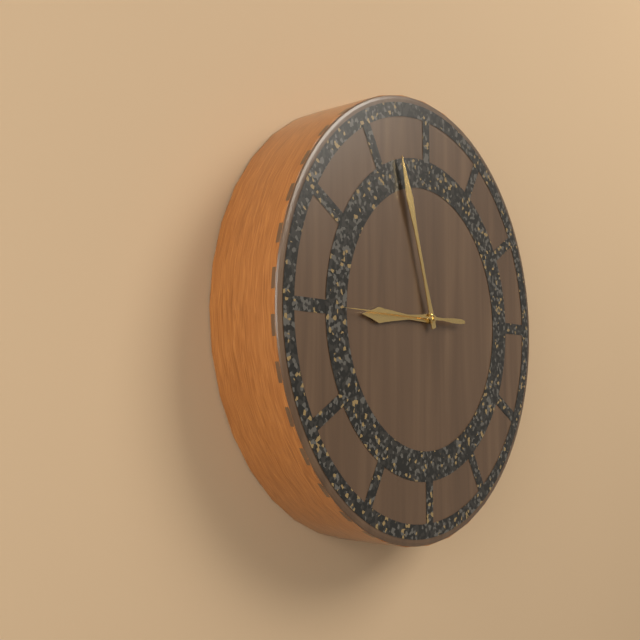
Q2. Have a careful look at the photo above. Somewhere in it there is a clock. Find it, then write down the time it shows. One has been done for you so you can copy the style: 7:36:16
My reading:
8:57:45
